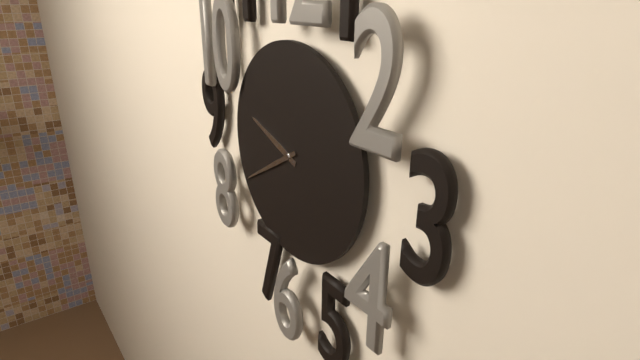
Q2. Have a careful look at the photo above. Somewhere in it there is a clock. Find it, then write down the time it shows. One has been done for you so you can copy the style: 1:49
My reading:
9:40
